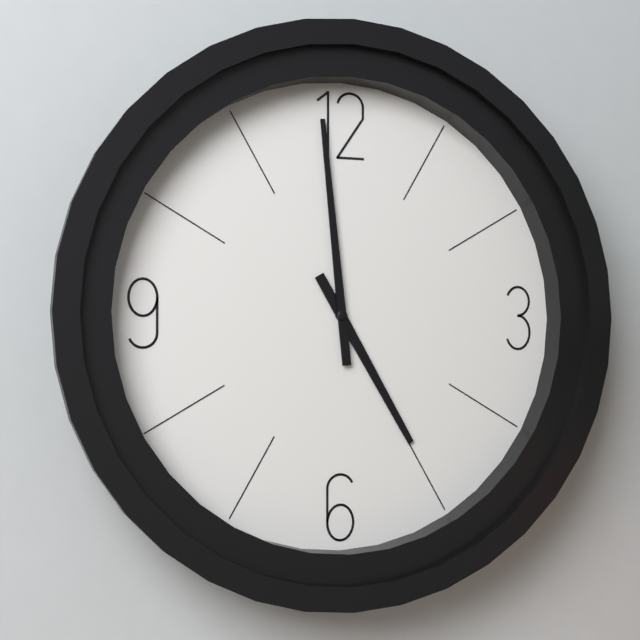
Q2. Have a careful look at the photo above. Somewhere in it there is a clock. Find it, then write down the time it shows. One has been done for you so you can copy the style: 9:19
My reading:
4:59
